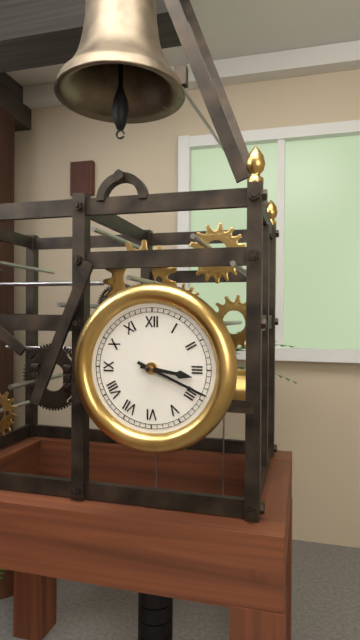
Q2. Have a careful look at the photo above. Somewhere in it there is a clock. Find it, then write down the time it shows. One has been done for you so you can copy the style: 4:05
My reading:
3:19
